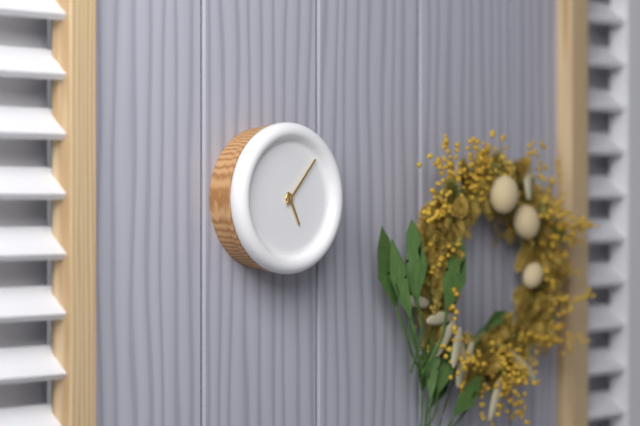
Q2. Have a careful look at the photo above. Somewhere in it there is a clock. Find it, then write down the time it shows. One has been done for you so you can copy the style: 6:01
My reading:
5:07
